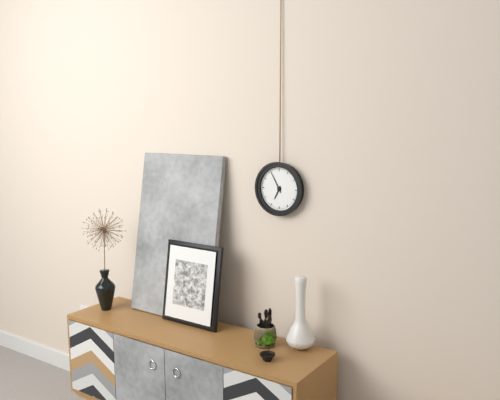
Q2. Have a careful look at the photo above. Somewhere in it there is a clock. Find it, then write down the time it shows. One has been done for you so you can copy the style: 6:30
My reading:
6:55
